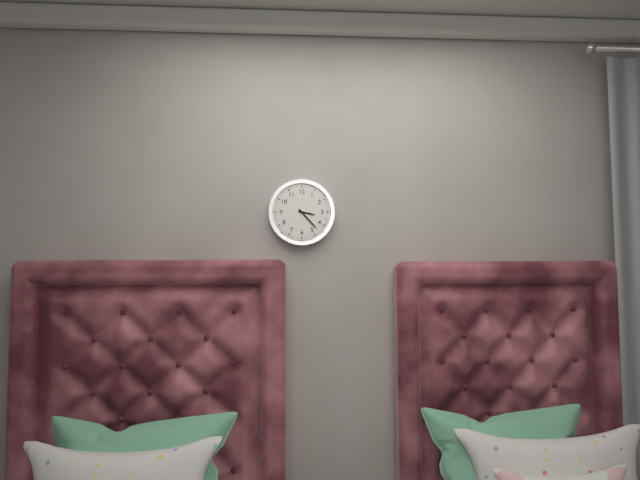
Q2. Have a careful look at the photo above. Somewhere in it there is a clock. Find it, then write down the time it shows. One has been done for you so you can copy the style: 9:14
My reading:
3:23
